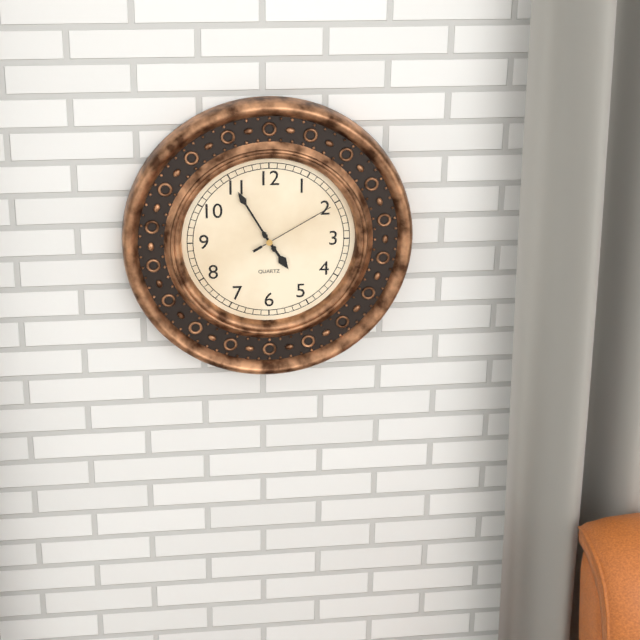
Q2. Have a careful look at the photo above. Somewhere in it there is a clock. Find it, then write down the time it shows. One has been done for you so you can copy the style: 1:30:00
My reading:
4:55:10
